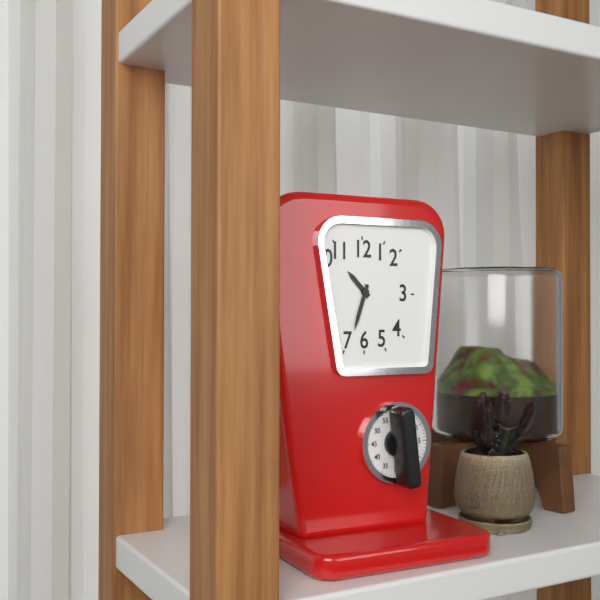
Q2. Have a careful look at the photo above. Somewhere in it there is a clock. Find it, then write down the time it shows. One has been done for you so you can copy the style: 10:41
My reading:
10:33
